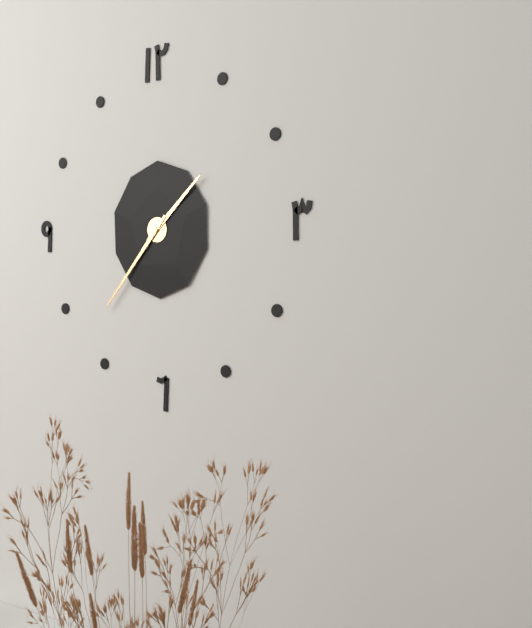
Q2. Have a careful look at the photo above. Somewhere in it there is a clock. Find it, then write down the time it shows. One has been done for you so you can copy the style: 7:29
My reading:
1:37
